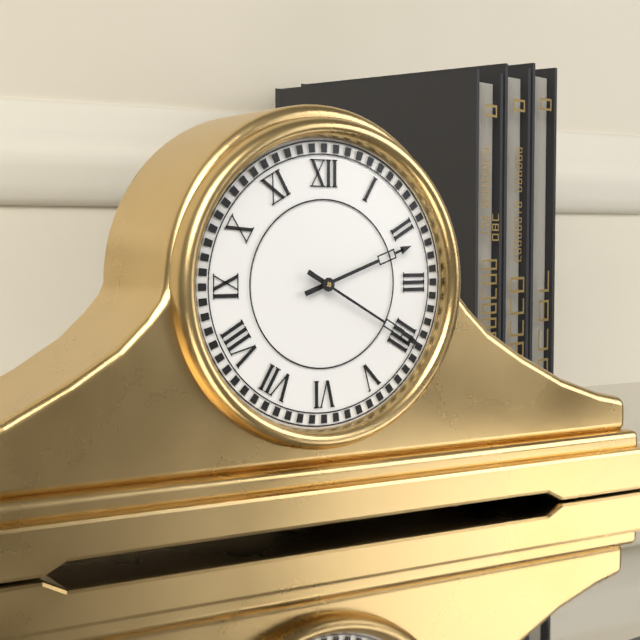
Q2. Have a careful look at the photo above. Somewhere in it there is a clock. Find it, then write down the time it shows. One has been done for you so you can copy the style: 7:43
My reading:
2:20
